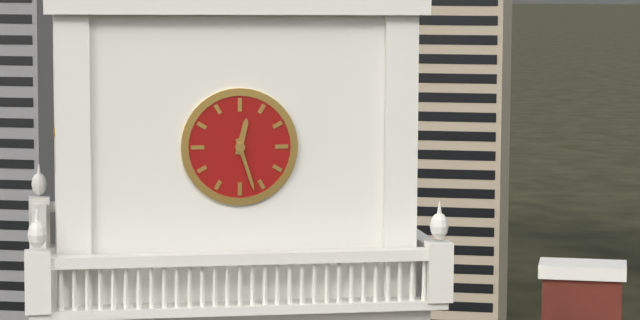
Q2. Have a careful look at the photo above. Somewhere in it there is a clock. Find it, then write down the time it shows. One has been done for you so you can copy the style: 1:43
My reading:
12:27
